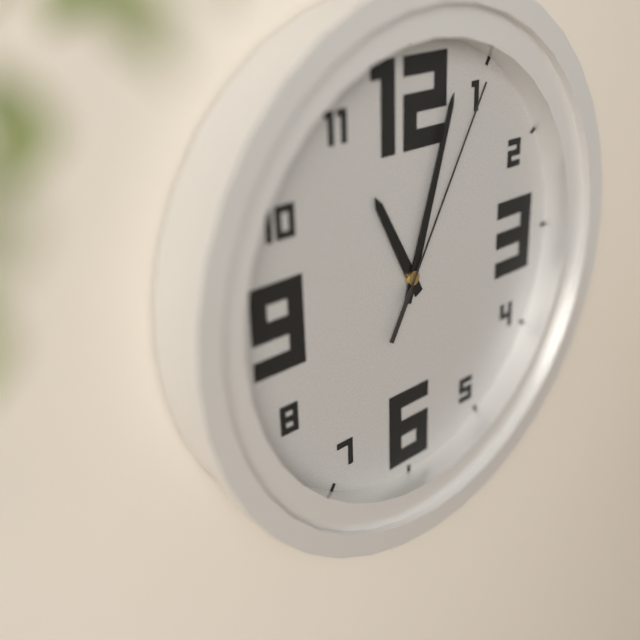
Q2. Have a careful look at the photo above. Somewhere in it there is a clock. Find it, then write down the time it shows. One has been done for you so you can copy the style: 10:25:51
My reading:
11:03:05
